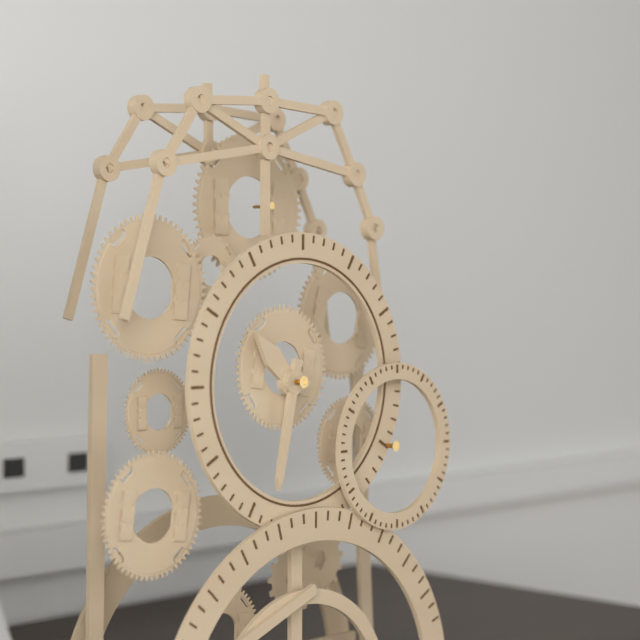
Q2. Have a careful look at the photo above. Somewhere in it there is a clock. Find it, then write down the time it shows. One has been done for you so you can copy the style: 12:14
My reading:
10:32
